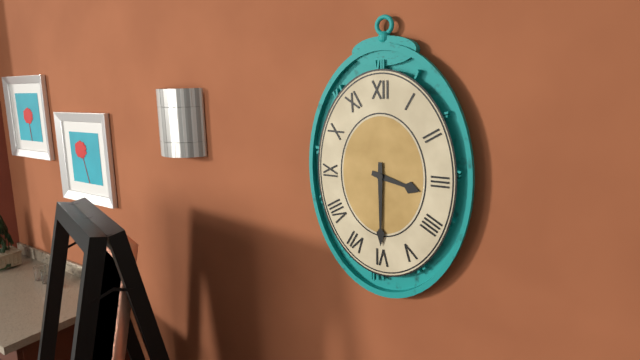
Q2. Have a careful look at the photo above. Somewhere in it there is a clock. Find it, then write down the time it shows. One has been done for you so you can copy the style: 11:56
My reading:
3:30
